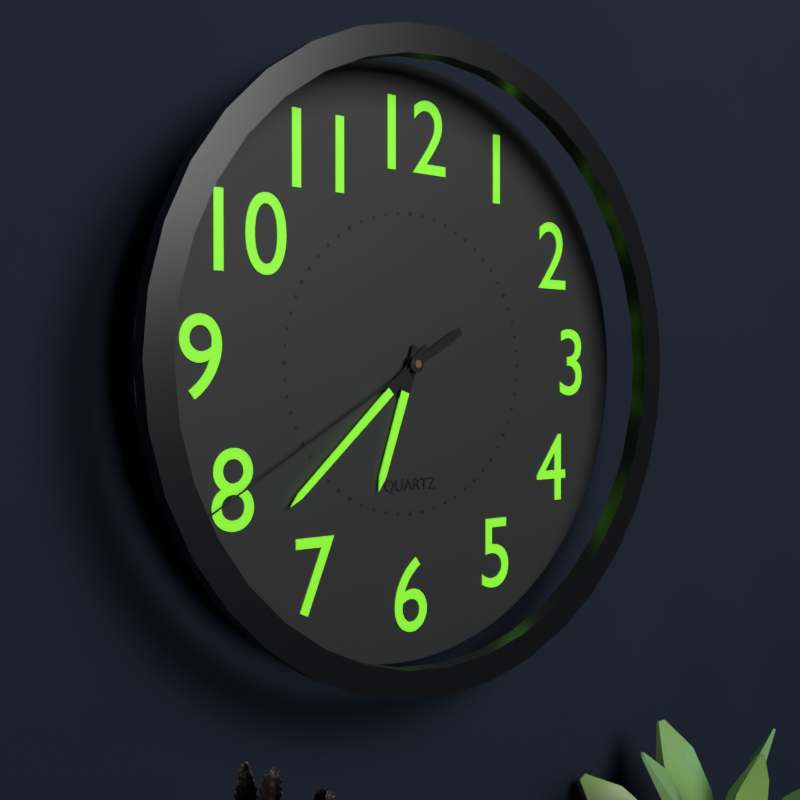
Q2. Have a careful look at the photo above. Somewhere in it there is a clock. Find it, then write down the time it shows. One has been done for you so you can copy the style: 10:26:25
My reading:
6:38:40
